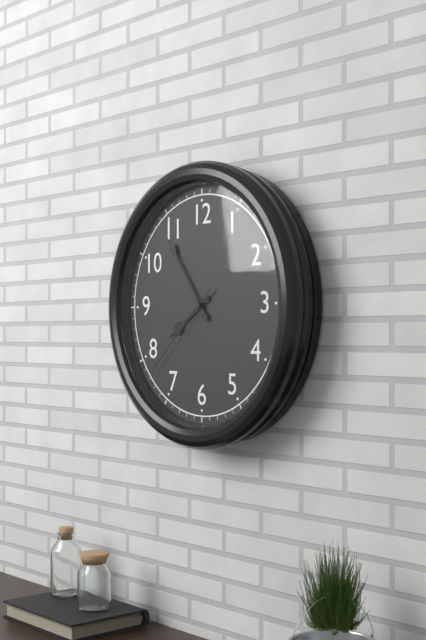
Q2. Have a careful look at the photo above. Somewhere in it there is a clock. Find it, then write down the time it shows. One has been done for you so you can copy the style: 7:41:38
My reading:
7:54:38
